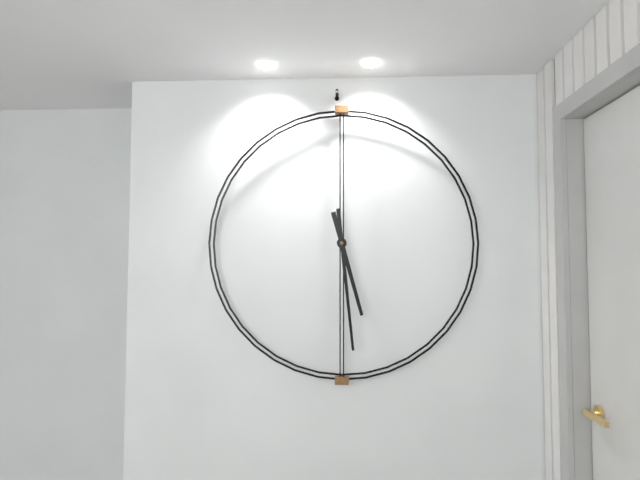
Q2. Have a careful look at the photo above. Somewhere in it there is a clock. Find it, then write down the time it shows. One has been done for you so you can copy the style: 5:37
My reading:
5:29
